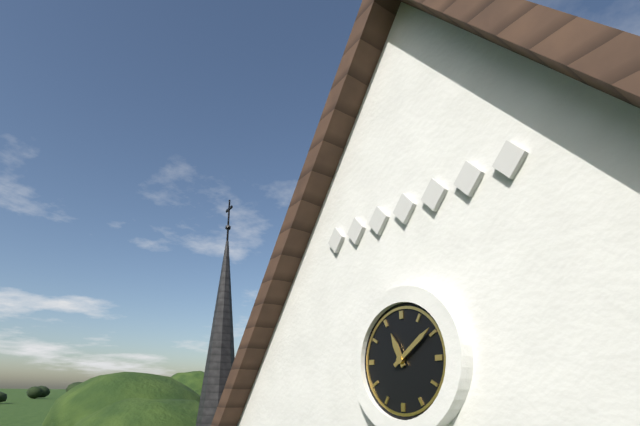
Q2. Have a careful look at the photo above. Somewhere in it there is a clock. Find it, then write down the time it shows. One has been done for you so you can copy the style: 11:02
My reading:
11:09
